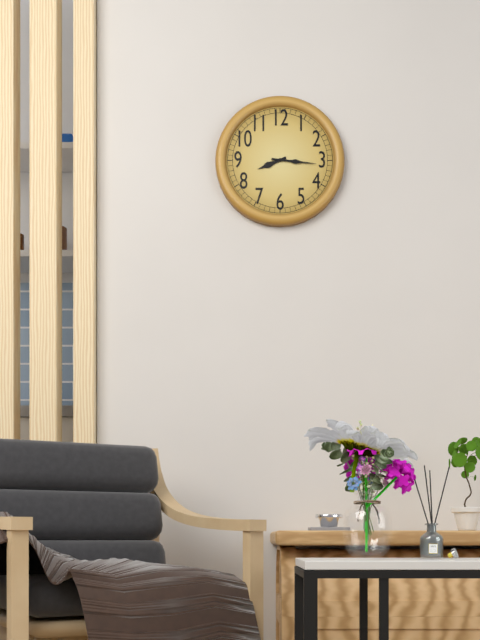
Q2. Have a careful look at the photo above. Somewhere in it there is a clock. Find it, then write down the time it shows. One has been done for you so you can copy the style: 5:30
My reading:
8:16
